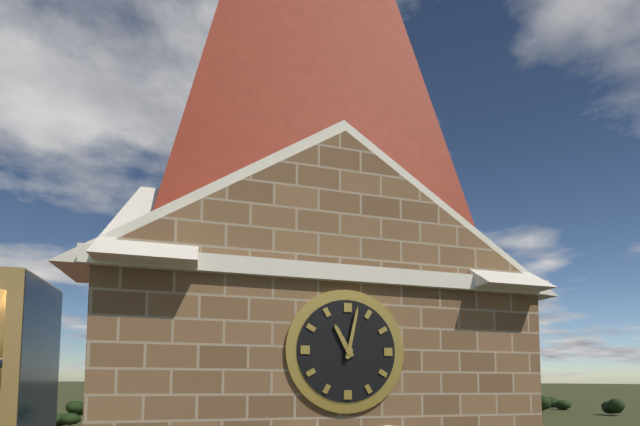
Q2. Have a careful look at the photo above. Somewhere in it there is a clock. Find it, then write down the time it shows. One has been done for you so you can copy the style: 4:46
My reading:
11:02
